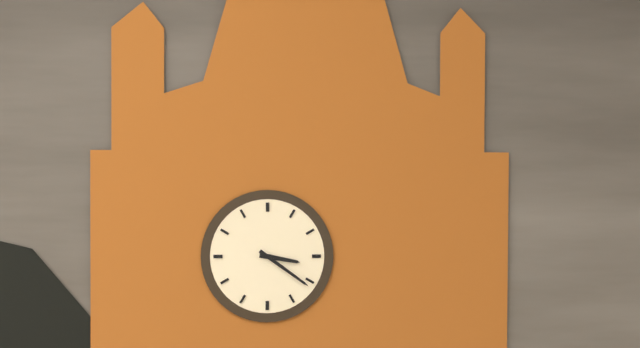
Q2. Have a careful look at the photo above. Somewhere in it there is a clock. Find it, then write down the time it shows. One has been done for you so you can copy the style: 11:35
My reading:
3:21
